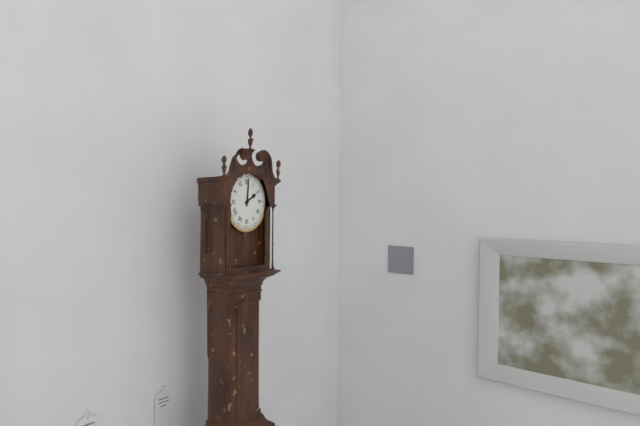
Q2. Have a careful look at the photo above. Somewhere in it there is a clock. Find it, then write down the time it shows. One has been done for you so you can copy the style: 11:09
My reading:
2:01
